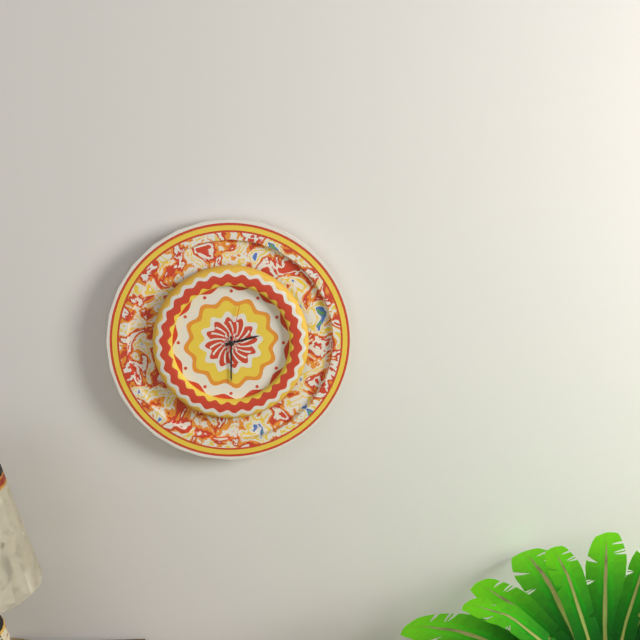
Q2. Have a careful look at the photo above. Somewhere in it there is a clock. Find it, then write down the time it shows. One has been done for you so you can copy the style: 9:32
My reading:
2:30
